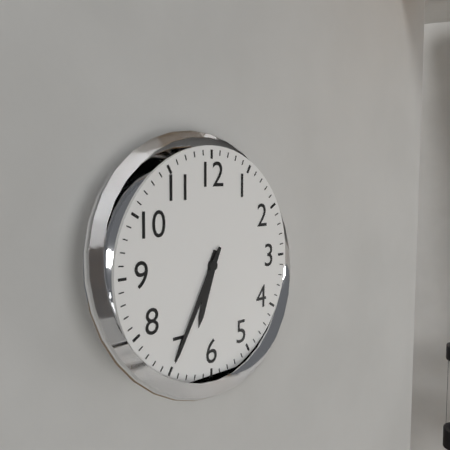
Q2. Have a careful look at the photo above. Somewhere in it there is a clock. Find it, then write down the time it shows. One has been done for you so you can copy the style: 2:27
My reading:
6:35
